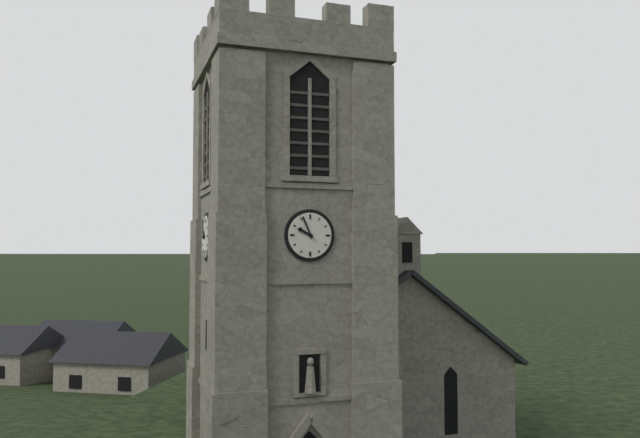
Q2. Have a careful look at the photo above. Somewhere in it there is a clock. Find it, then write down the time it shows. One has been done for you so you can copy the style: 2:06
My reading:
9:56
